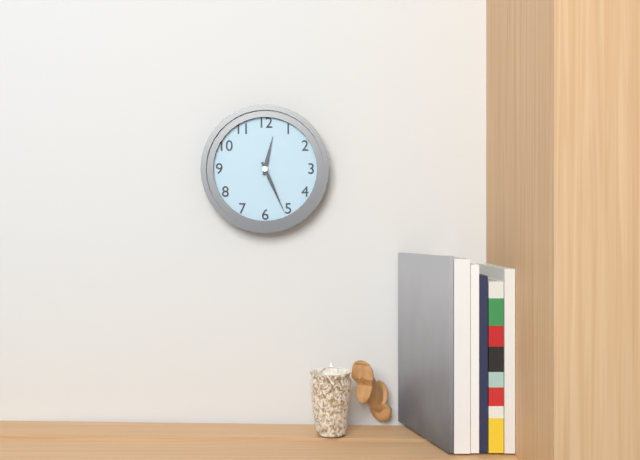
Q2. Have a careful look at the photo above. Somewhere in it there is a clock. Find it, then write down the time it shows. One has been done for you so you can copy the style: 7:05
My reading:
12:26
